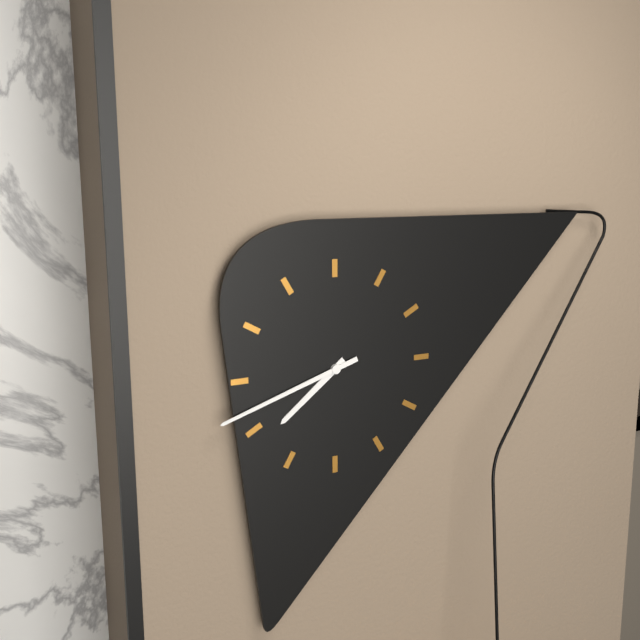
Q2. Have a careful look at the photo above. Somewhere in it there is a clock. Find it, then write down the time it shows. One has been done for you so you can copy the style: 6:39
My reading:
7:42
